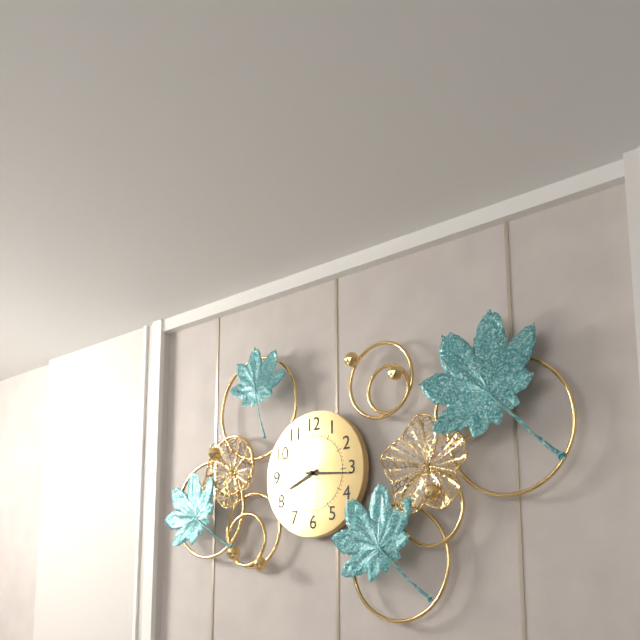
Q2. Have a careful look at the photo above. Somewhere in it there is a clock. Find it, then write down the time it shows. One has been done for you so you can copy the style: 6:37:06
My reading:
8:16:29
